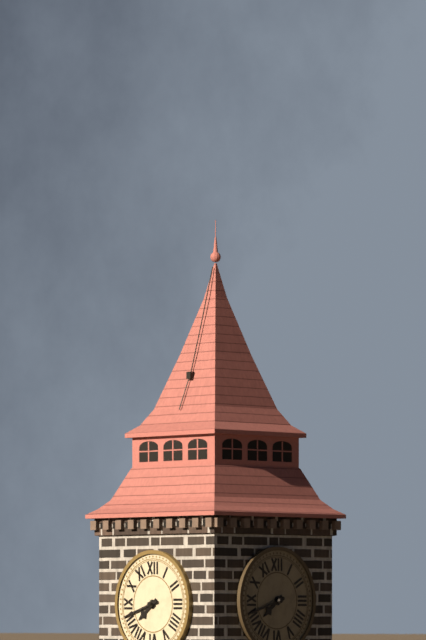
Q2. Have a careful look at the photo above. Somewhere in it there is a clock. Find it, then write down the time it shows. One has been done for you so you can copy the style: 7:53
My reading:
7:42
